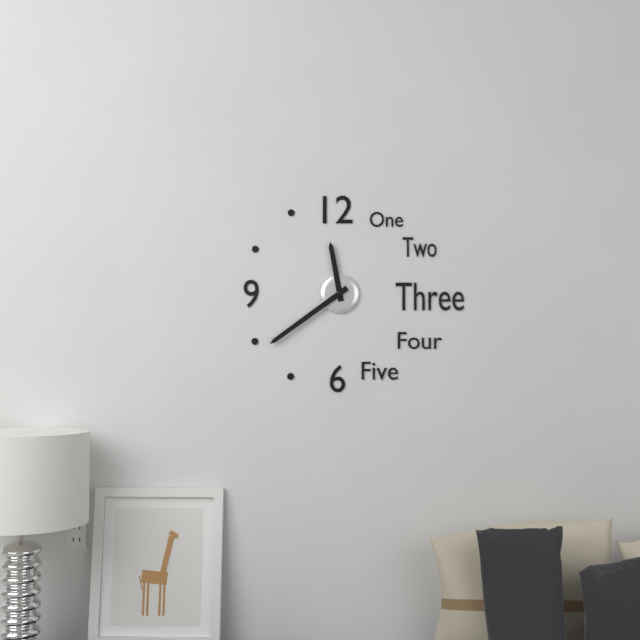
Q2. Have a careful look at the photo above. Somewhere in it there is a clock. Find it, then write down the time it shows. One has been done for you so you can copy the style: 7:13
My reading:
11:39
